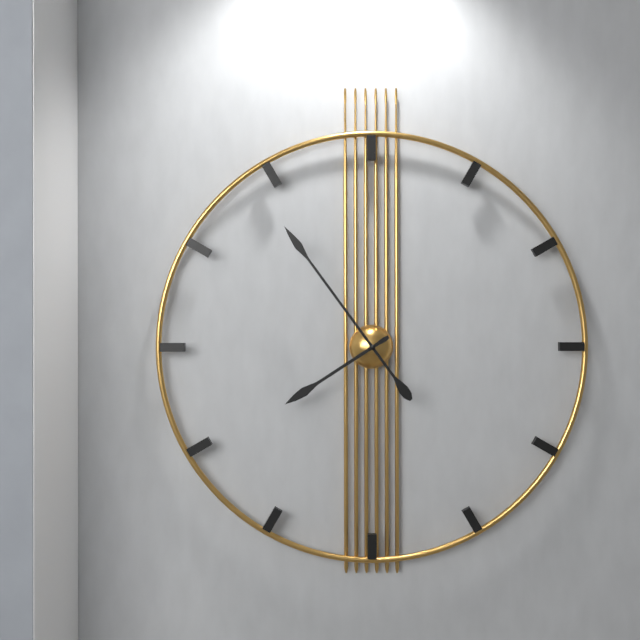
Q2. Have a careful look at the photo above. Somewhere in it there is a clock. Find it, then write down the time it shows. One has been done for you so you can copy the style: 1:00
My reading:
7:54
